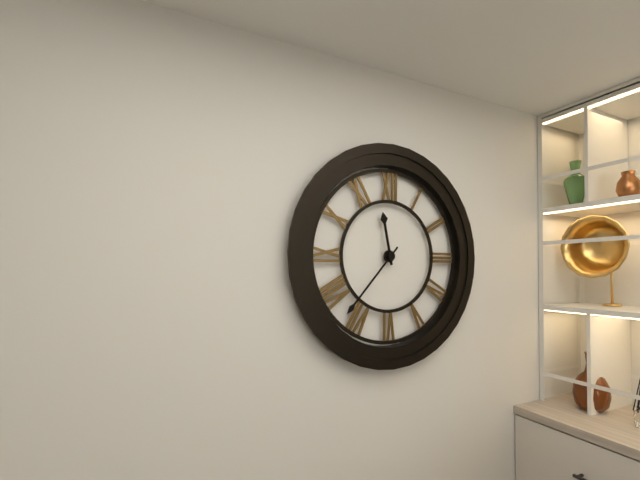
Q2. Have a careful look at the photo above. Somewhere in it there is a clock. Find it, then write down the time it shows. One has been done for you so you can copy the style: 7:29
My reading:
11:37
